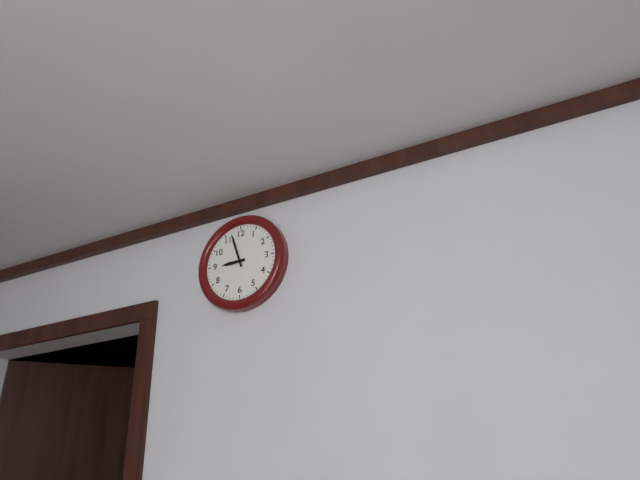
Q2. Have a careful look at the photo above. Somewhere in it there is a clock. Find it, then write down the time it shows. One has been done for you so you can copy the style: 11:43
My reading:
8:57
